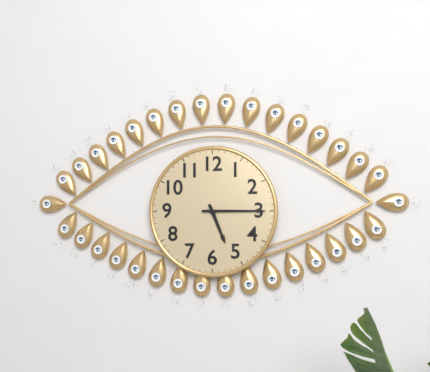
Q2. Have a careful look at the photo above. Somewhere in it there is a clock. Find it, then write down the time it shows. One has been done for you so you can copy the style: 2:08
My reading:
5:15
